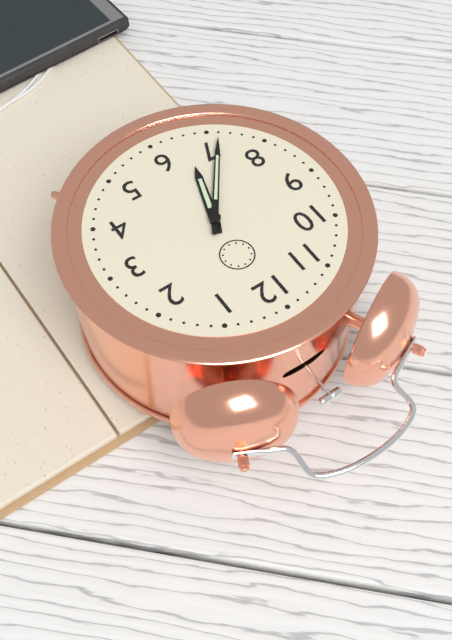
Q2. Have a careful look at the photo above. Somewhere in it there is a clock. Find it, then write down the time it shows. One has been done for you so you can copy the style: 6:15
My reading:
6:36
